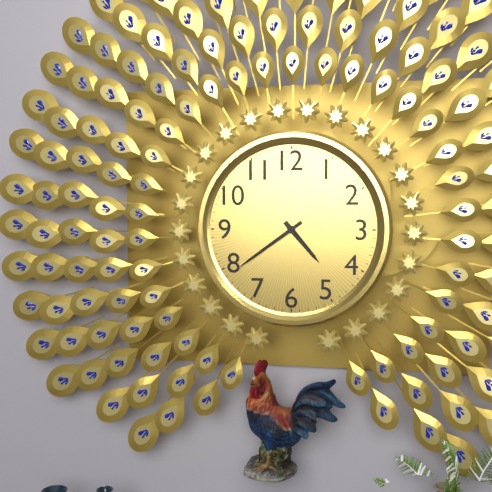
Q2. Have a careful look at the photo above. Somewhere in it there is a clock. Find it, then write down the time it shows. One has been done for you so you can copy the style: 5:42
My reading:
4:39
